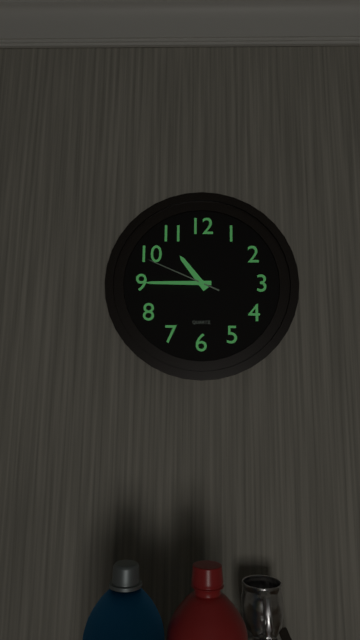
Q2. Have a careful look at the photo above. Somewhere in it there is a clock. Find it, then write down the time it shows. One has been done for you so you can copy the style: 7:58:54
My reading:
10:45:49
